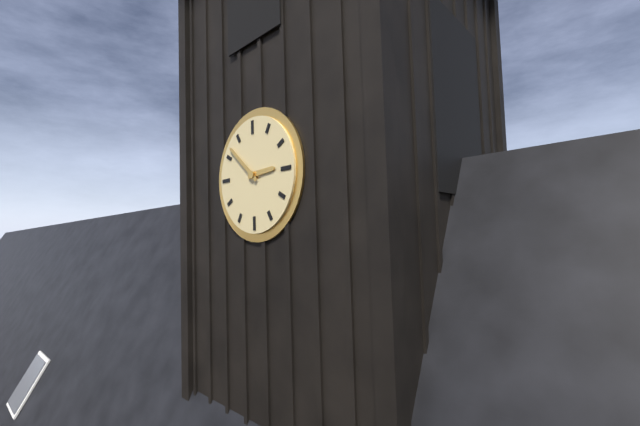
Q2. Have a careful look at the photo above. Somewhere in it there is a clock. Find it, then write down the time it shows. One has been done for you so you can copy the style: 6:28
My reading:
2:52
